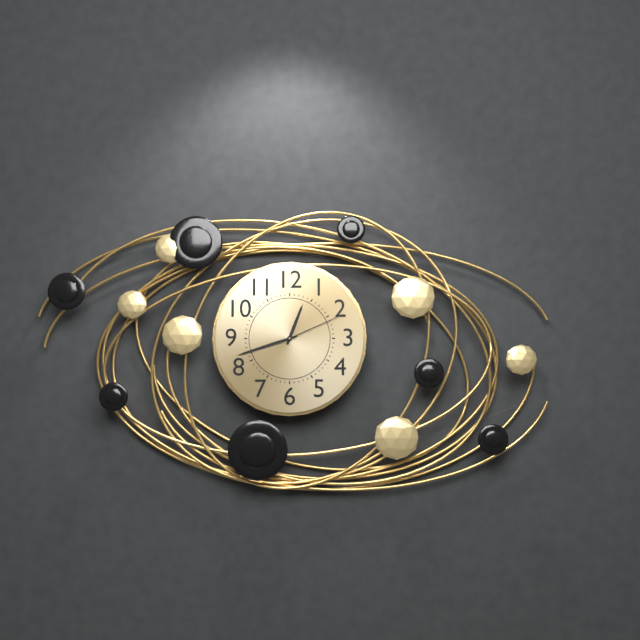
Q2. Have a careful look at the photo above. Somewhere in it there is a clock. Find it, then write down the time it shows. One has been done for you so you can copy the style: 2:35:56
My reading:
12:42:11
